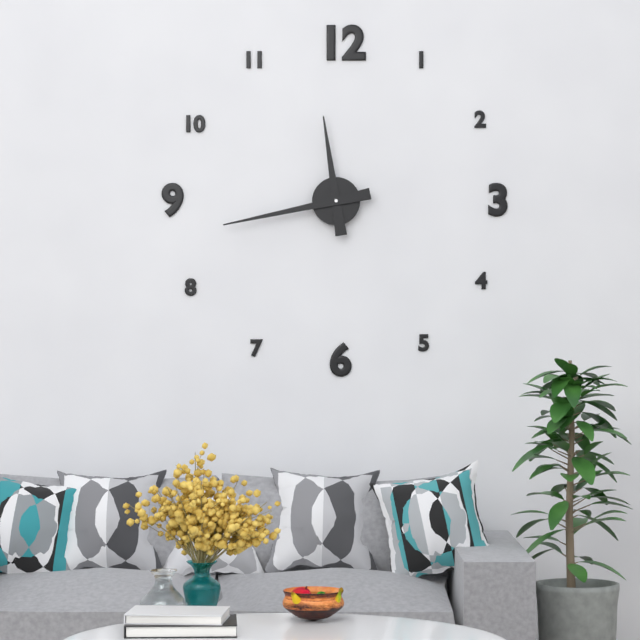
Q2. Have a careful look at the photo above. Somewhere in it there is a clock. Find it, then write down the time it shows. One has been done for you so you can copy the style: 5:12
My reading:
11:43
